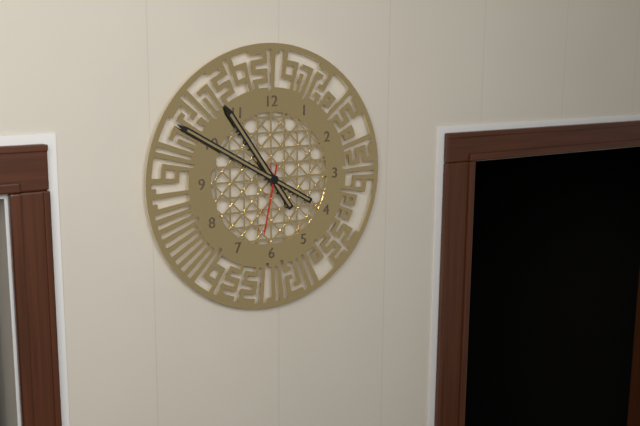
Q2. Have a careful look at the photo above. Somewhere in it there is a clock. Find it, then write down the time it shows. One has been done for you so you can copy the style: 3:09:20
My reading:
10:50:32
